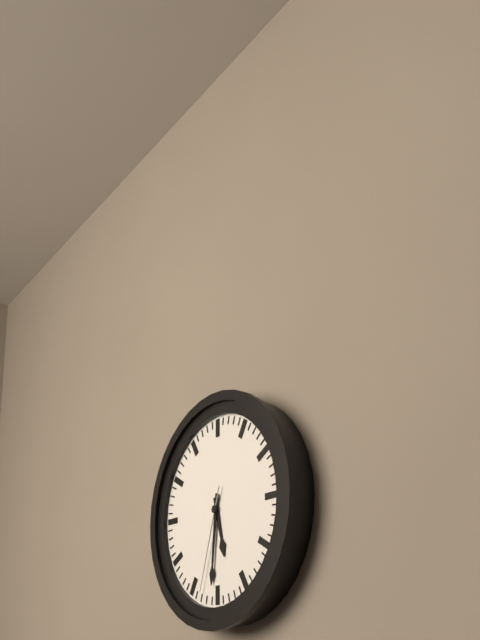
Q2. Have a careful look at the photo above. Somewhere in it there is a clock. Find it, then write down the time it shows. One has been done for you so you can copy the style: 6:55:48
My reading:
5:31:33
